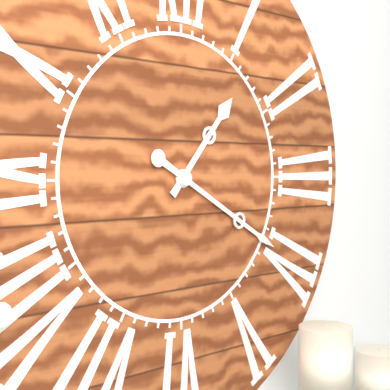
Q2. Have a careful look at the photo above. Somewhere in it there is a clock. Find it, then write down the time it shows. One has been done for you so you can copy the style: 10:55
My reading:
1:20
